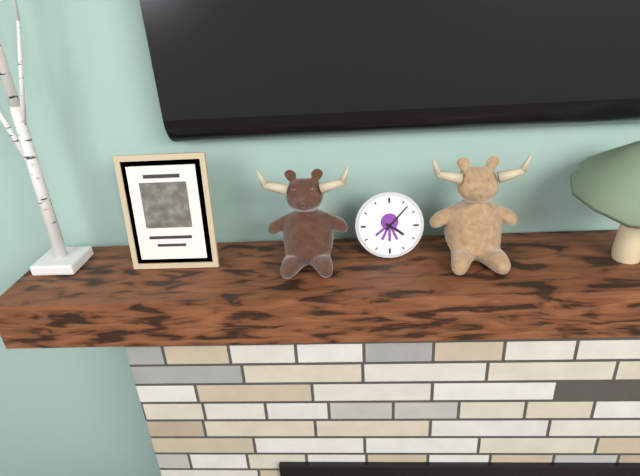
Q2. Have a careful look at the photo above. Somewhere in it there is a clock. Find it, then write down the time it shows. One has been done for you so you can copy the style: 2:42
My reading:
4:07
